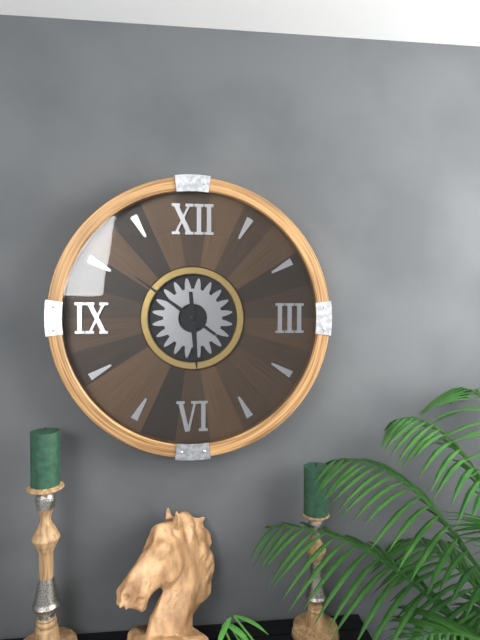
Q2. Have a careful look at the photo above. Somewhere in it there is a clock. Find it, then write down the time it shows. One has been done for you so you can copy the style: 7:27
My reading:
5:51
